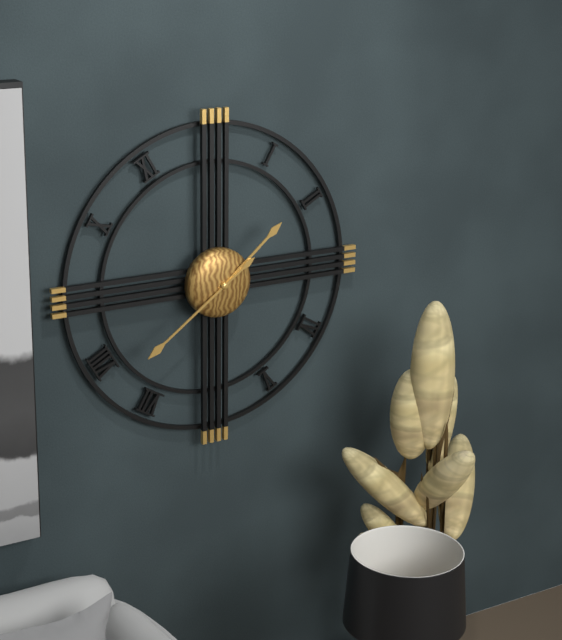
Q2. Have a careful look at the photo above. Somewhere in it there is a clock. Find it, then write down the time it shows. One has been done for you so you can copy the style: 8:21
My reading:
1:39
